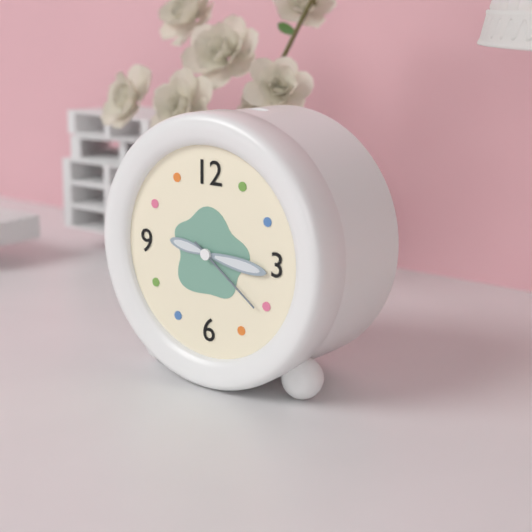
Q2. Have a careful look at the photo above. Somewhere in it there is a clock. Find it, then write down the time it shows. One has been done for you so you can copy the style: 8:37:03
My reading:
9:16:21
